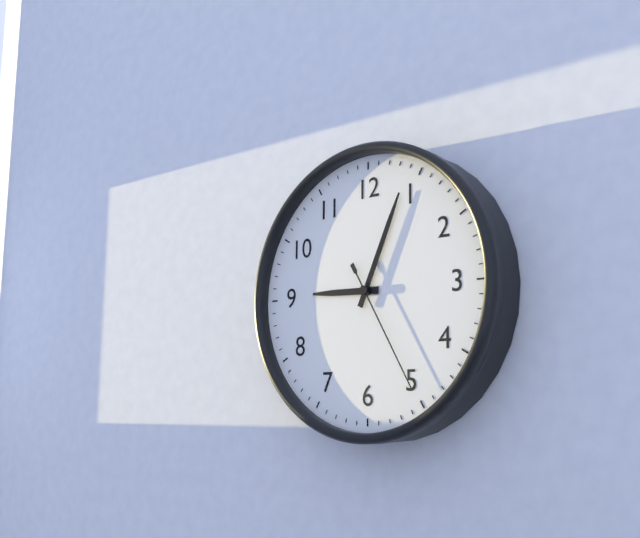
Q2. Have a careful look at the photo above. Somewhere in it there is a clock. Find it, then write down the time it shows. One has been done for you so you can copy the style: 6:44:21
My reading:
9:04:25
